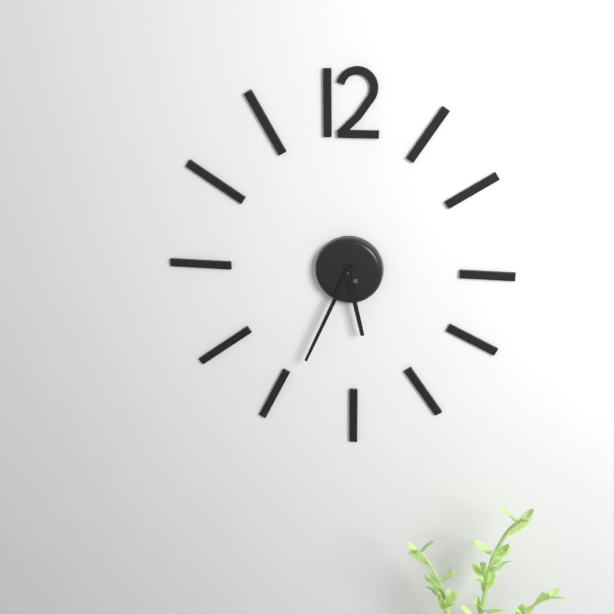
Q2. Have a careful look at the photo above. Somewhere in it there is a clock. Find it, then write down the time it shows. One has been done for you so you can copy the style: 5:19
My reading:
5:34
